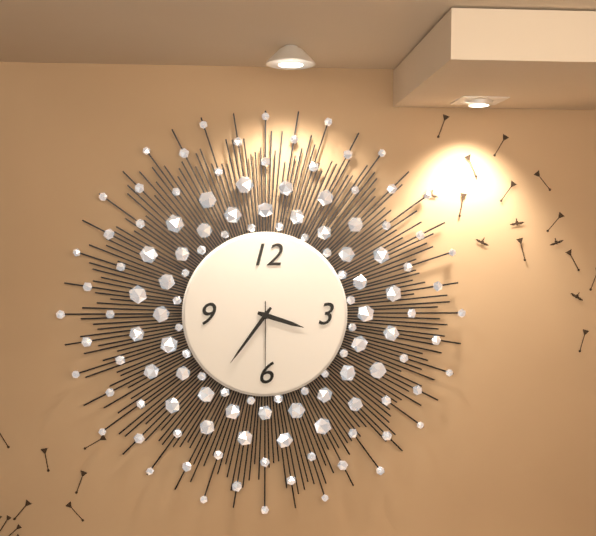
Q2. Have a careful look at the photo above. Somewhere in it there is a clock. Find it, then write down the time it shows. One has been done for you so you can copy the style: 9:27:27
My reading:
3:36:30
